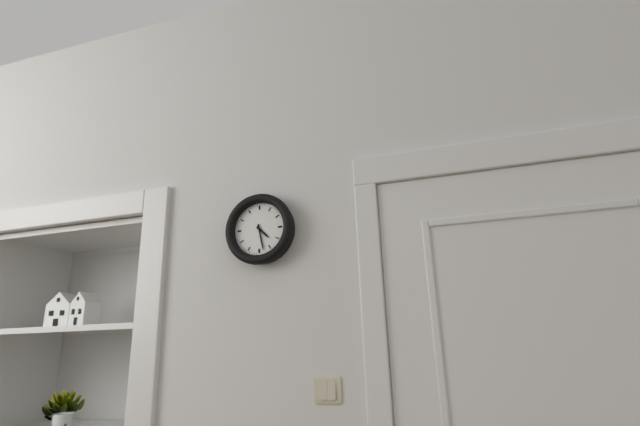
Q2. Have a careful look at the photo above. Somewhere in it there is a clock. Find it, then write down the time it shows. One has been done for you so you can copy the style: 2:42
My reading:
4:28
